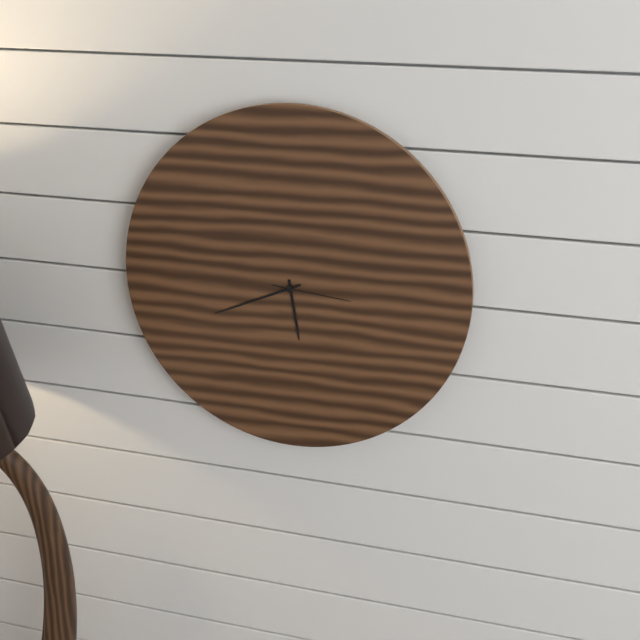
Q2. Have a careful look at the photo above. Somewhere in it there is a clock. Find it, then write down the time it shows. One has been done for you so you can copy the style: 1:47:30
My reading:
5:41:16
